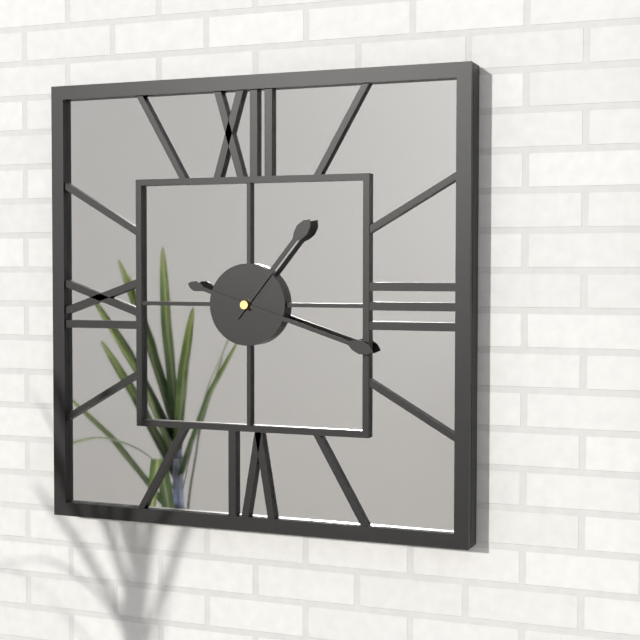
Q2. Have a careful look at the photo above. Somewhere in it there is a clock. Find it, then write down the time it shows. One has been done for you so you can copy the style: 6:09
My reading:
1:18
